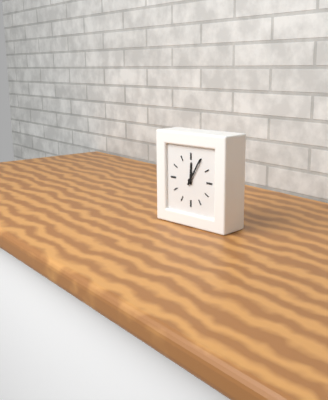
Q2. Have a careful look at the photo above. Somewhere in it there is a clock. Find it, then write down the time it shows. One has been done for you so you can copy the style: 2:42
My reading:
12:05
